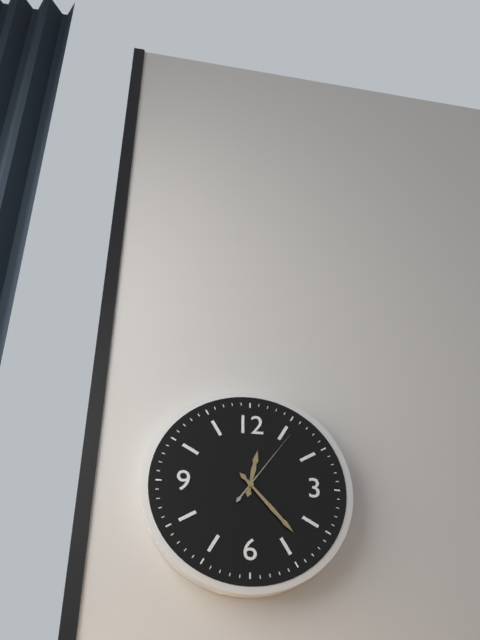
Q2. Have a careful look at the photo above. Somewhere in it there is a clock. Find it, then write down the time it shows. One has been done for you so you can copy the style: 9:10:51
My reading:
12:23:06
